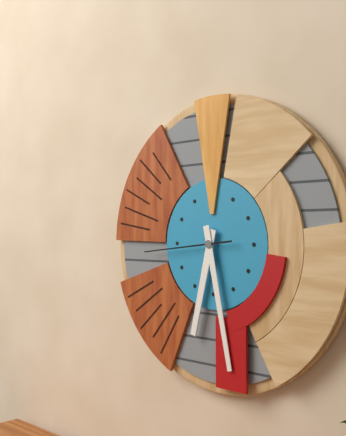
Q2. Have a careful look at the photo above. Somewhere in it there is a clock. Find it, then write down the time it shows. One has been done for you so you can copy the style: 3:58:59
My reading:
6:28:44
